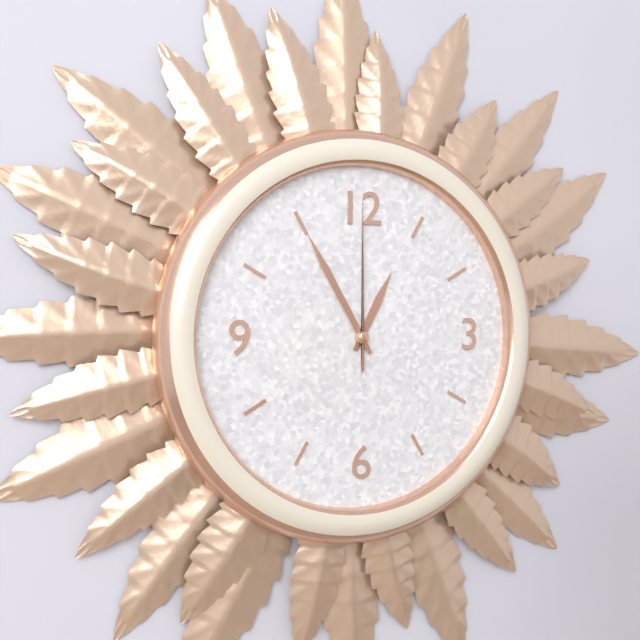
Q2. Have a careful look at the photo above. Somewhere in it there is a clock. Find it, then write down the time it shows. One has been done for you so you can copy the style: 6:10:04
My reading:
12:55:00
